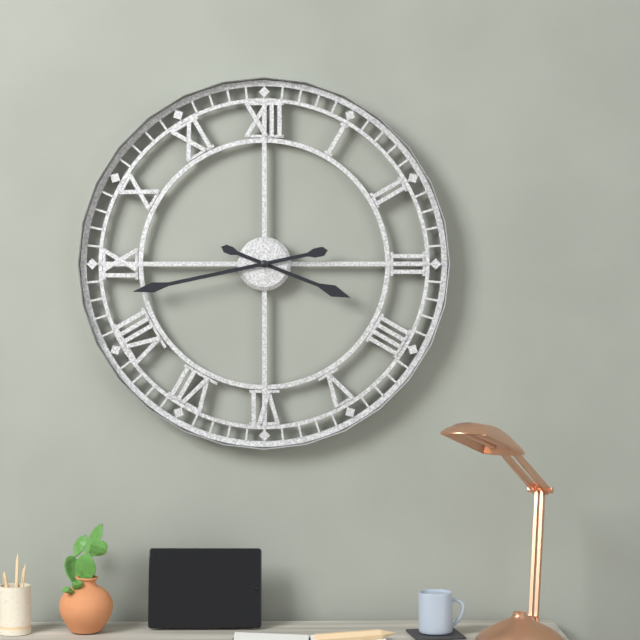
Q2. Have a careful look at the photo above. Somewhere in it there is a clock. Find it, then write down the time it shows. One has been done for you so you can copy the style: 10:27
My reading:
3:43
